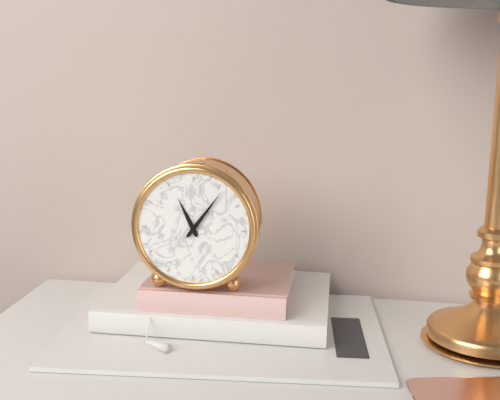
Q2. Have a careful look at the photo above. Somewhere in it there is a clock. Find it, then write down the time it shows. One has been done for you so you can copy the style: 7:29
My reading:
11:06
